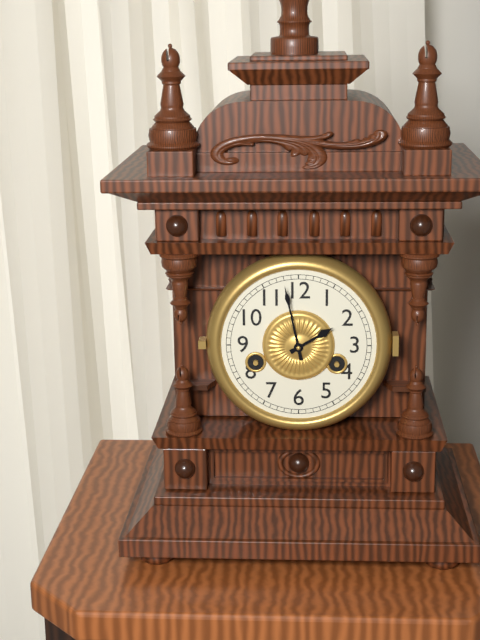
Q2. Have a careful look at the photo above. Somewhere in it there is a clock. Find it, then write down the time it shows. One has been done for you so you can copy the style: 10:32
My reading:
1:58
